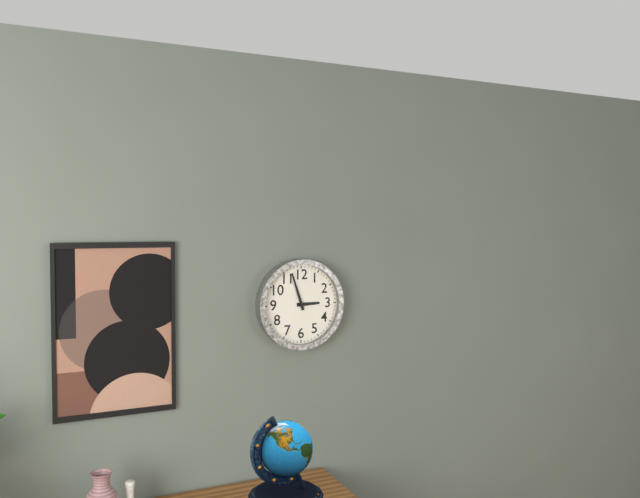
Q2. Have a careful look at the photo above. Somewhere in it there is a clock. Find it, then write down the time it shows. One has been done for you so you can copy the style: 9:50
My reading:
2:57
